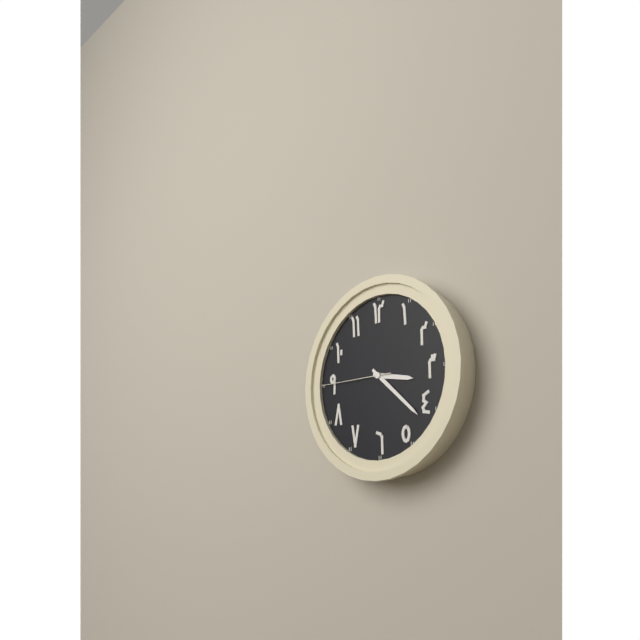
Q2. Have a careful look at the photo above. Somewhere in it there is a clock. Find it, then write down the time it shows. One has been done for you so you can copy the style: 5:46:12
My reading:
3:22:45
